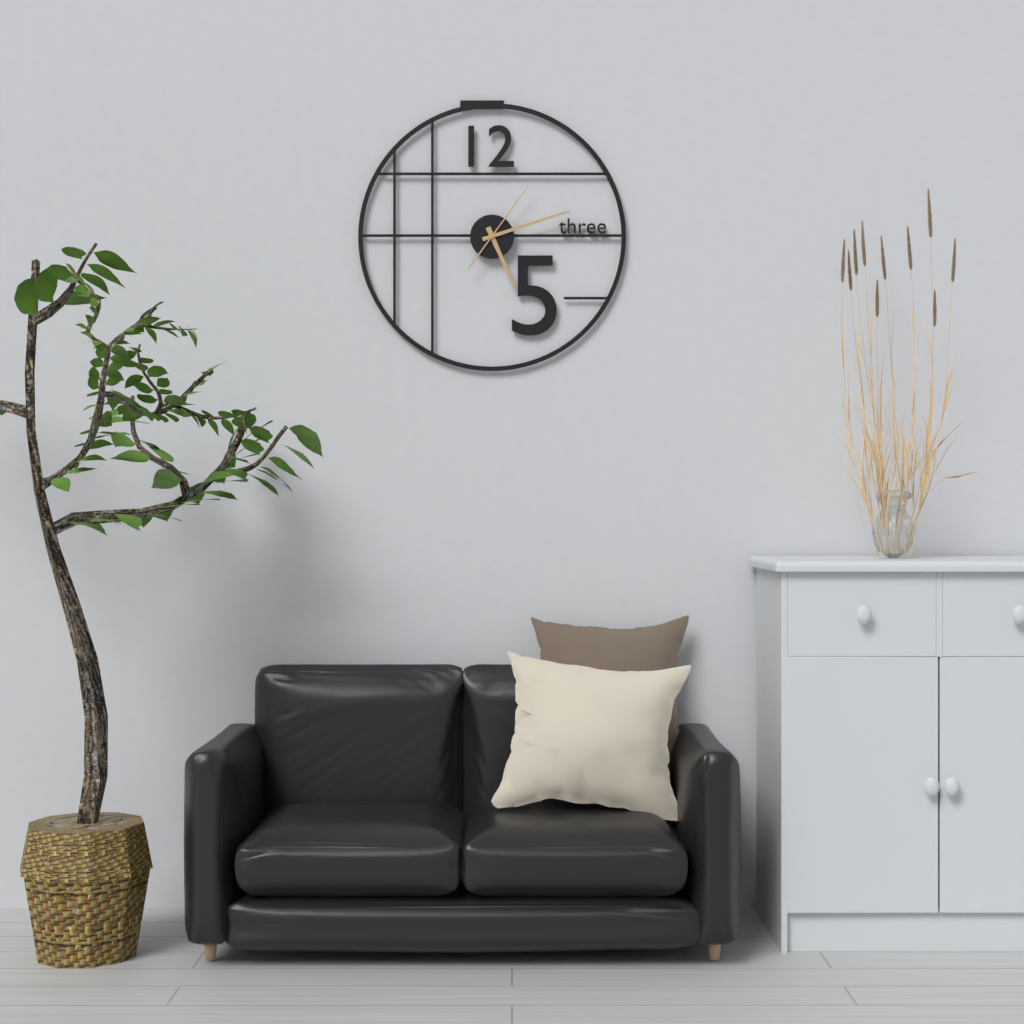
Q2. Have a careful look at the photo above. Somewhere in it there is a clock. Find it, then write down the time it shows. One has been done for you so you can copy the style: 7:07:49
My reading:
5:12:06
